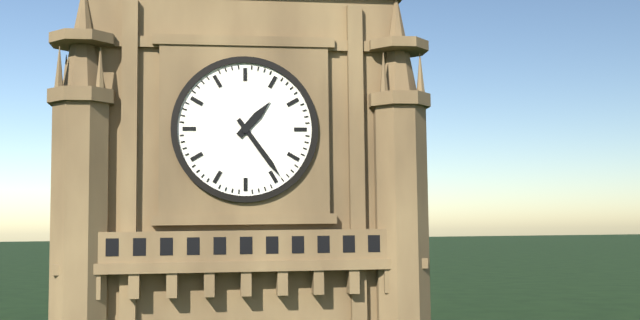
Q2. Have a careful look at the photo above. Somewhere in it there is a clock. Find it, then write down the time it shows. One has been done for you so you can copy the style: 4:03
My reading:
1:24
